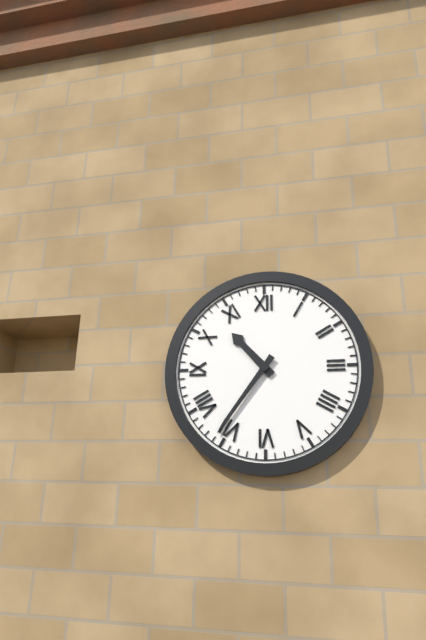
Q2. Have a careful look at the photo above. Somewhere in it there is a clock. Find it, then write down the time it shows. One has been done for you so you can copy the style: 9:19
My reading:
10:36
